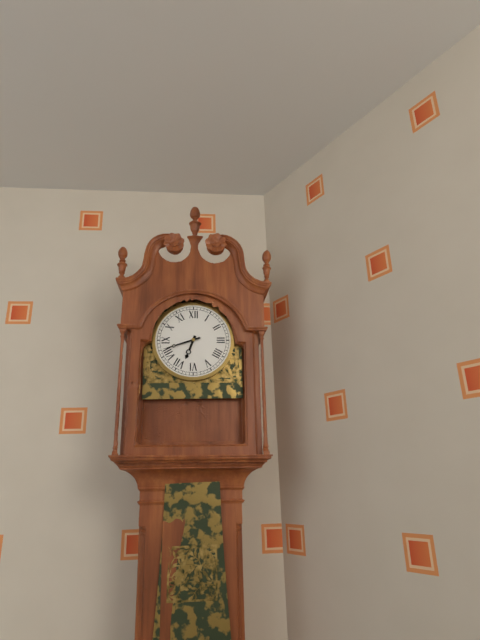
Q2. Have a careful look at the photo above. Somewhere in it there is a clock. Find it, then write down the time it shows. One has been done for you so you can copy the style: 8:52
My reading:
6:42
